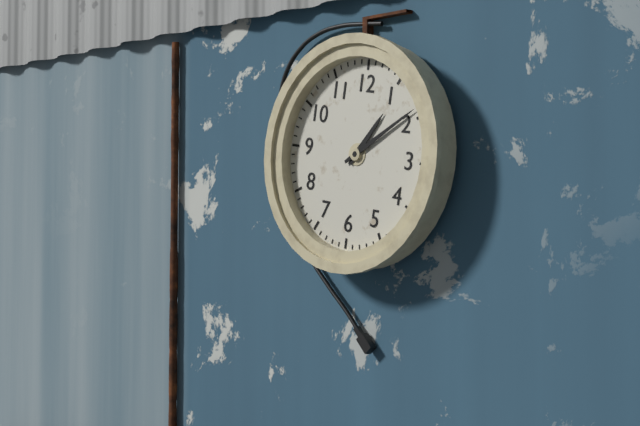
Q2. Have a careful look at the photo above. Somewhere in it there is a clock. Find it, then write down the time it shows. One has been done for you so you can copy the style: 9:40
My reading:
1:09
